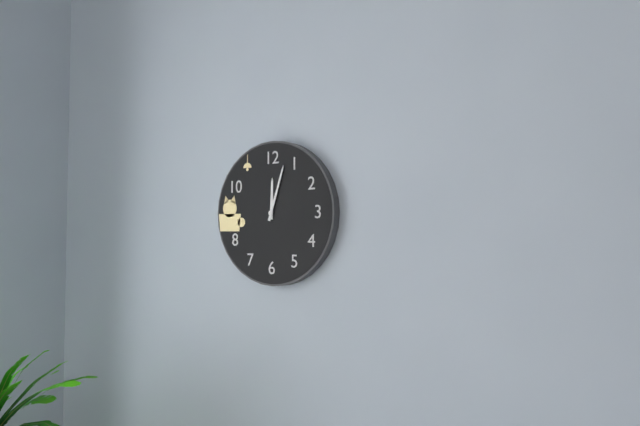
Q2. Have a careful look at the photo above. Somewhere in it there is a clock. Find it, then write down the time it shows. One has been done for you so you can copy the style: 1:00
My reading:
12:03
